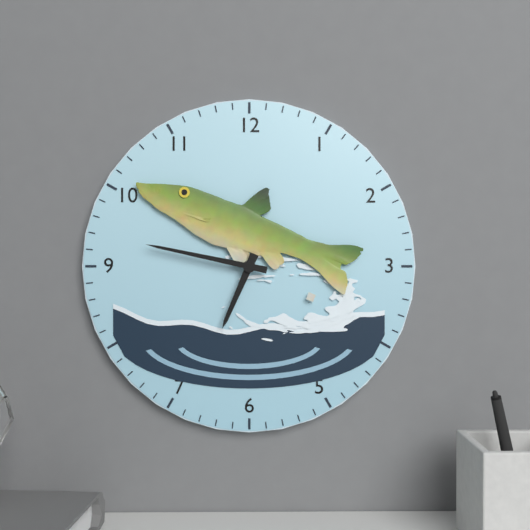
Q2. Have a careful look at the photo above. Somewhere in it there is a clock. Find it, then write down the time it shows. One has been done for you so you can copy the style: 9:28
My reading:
6:47
